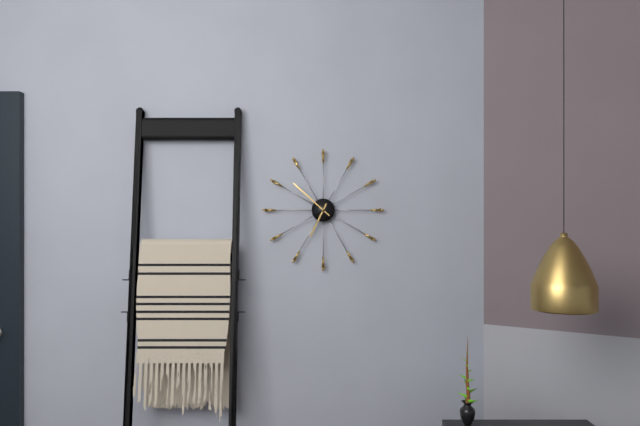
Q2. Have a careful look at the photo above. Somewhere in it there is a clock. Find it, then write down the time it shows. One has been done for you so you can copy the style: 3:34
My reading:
6:52
